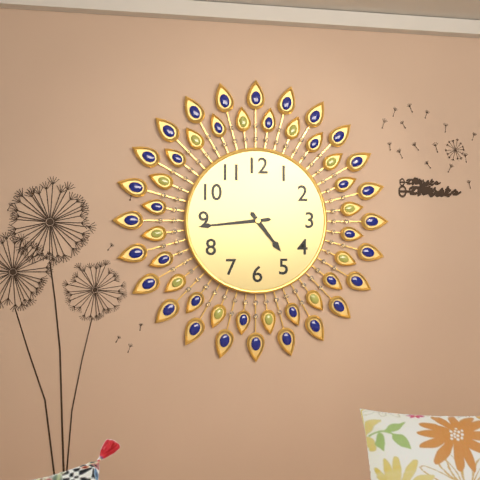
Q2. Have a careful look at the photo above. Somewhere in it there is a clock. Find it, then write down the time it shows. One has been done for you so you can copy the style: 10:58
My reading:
4:44
